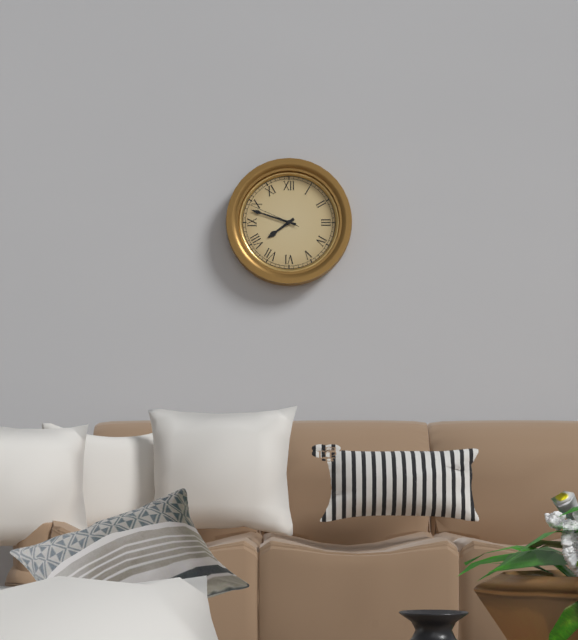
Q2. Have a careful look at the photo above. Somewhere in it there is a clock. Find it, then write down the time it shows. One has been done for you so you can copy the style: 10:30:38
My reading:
7:48:49
